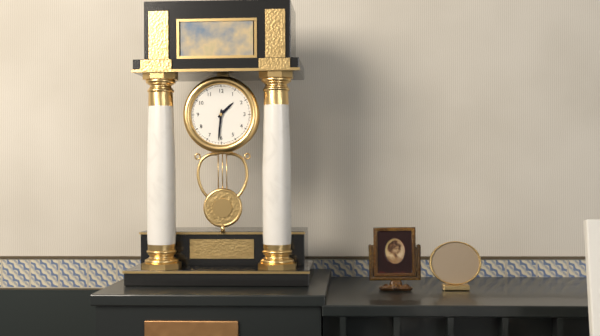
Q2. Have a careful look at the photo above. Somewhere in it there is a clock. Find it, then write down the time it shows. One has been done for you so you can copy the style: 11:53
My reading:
1:31
